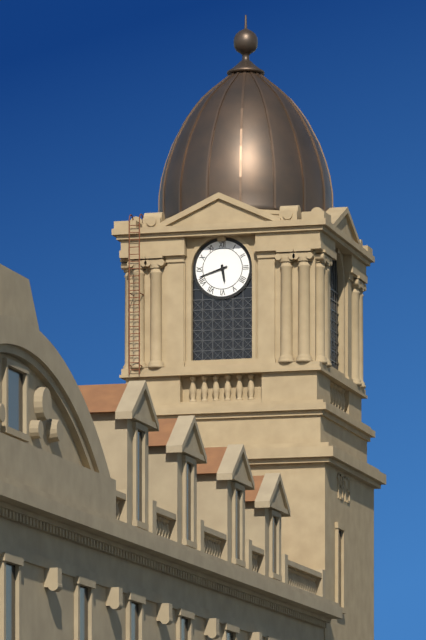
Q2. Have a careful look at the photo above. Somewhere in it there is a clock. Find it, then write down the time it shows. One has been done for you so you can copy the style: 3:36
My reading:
5:42
